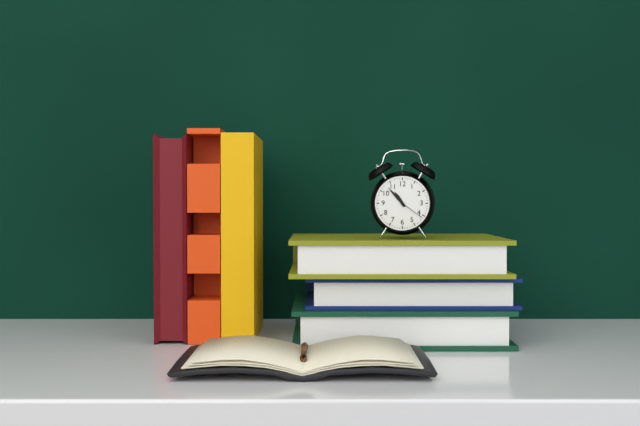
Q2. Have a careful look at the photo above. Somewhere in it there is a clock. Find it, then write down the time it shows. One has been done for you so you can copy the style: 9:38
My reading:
10:53
